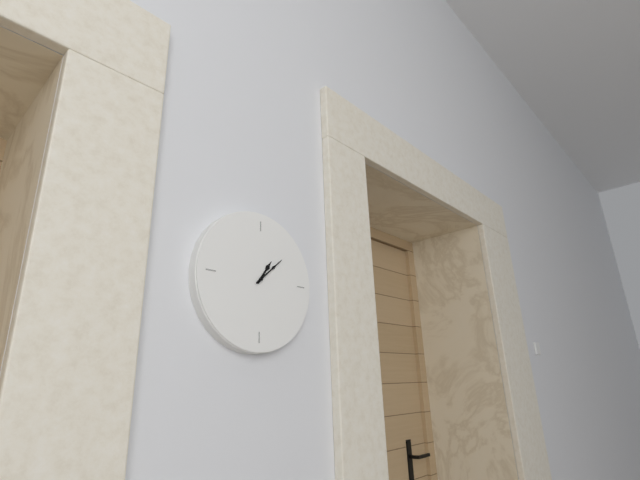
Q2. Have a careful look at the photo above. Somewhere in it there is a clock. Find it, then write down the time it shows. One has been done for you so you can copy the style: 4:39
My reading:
1:08
